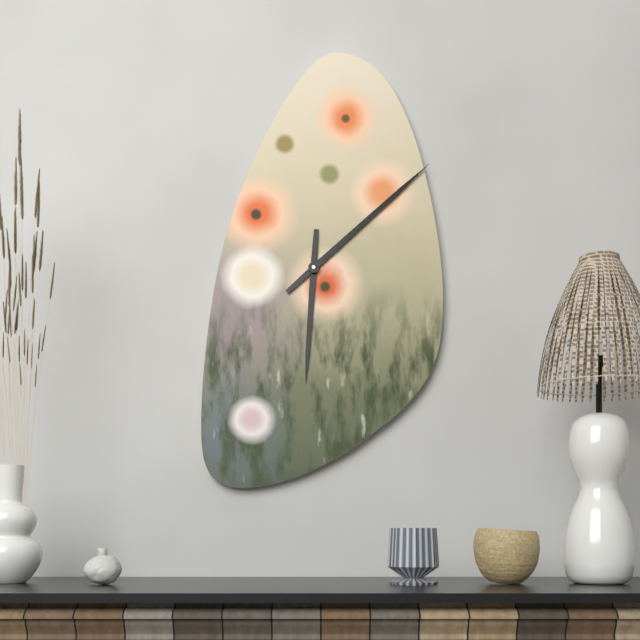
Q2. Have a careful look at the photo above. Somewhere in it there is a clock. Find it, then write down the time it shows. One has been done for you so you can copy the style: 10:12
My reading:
6:08
